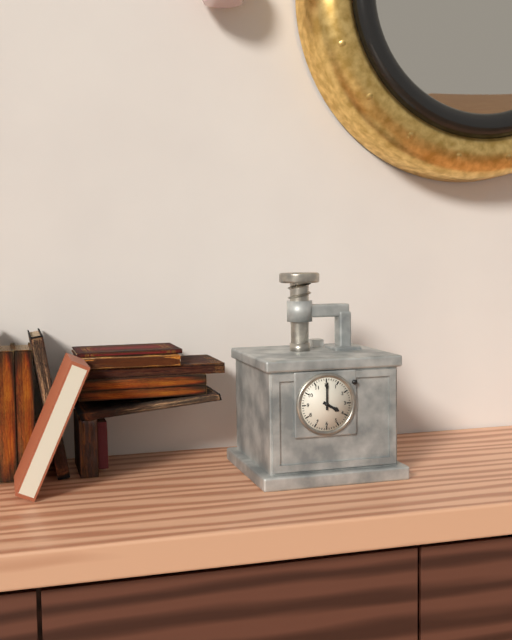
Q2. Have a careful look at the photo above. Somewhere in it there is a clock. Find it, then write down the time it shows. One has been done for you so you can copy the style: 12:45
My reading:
4:00
